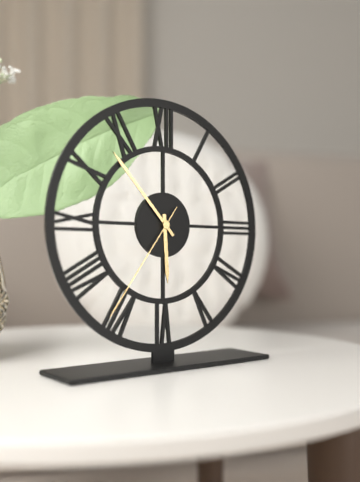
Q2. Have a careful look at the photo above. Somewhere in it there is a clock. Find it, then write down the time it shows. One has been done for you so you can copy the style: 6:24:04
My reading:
5:53:36
